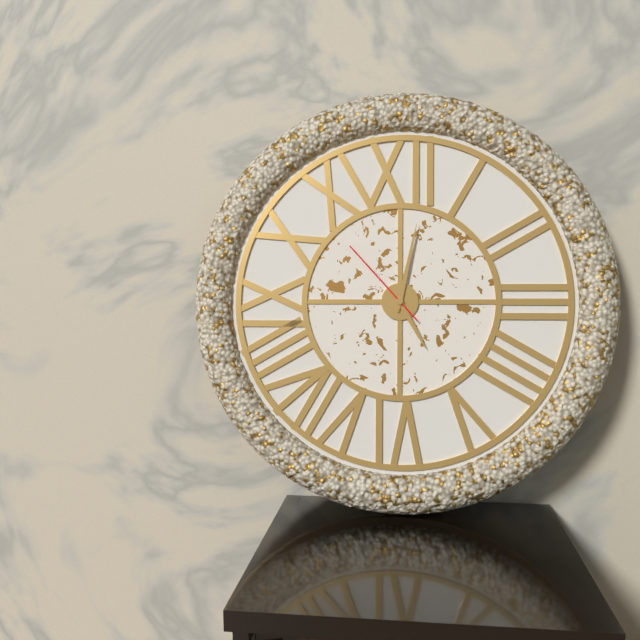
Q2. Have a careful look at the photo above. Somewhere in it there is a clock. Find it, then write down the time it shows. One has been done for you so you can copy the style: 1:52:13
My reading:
5:02:53
